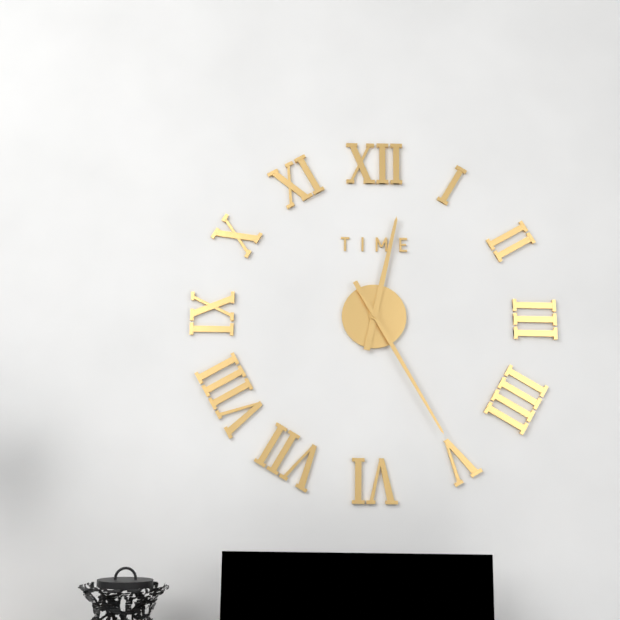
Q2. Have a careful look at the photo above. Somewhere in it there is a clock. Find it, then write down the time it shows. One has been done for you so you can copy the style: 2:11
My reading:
12:25
